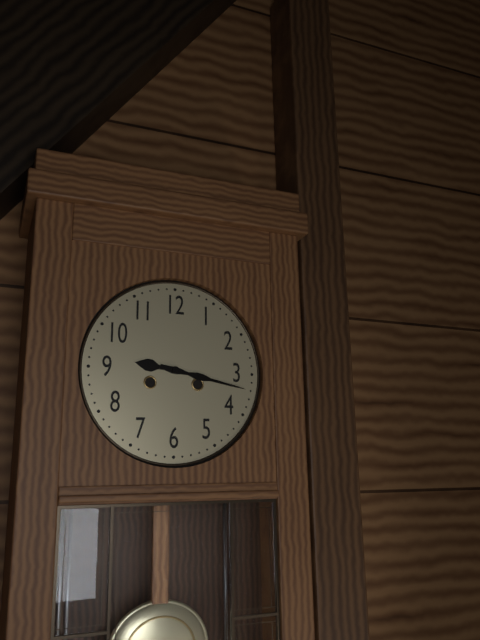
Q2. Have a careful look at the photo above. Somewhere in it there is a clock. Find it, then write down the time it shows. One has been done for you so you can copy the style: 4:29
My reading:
9:17
